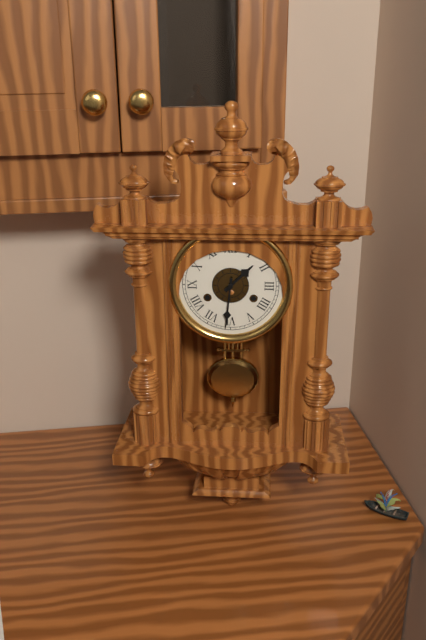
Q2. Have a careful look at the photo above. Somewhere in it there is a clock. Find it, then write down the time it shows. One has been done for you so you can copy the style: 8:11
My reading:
1:31
